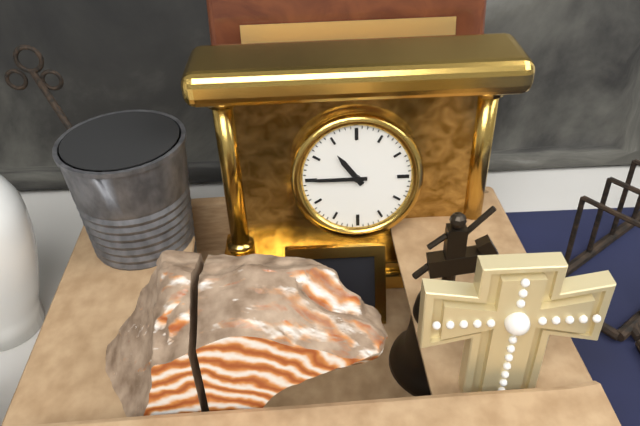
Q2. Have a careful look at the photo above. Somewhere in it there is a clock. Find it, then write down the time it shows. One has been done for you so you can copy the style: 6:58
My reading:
10:45
